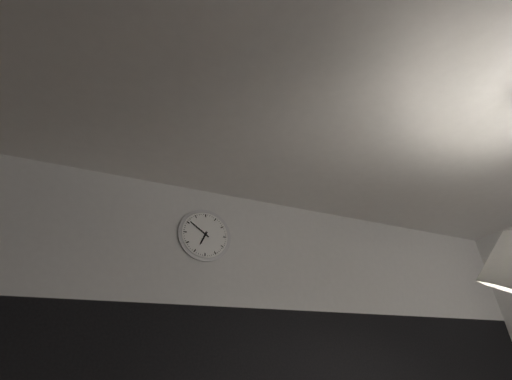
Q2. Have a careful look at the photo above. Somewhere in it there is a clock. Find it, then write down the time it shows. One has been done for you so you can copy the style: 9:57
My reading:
6:51
